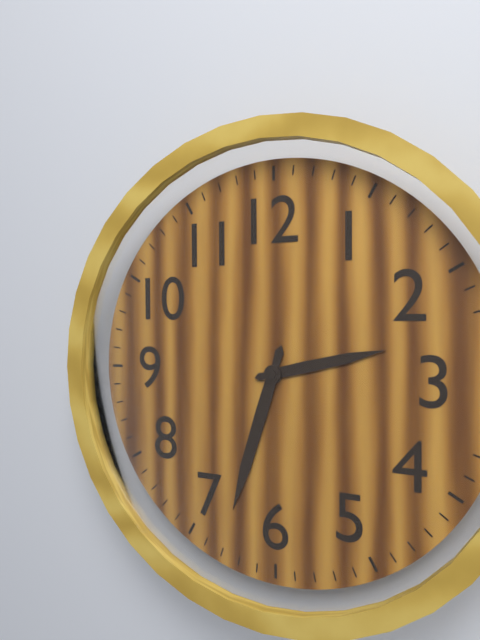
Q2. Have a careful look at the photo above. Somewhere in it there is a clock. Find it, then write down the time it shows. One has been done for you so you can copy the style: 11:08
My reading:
2:33
